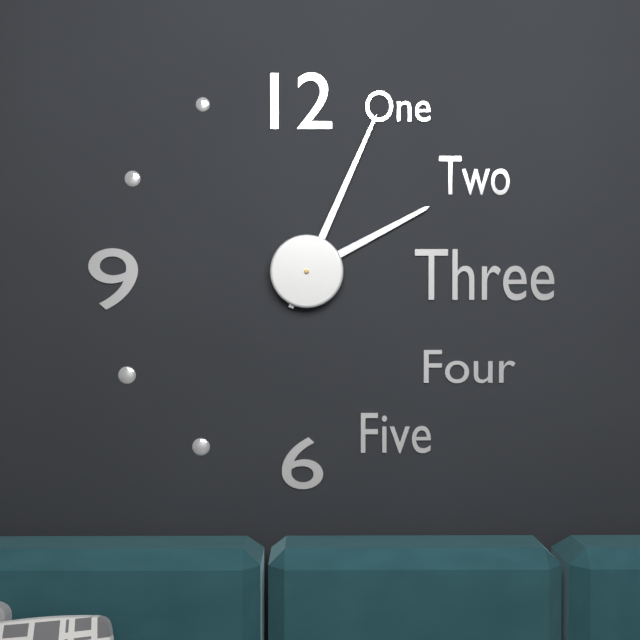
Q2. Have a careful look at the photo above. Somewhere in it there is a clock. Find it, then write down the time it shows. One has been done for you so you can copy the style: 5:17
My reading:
2:04
